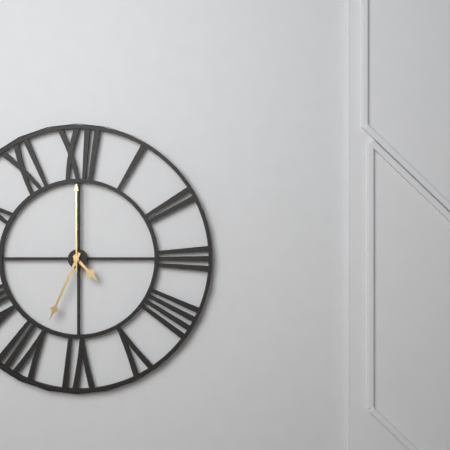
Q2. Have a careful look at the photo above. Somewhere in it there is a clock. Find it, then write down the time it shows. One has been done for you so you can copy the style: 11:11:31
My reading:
4:34:00
